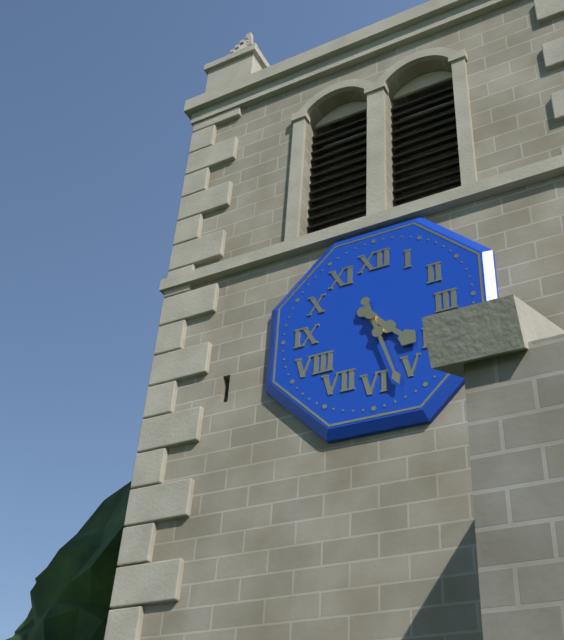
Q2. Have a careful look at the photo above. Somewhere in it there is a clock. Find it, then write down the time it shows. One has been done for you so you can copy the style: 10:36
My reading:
4:27
